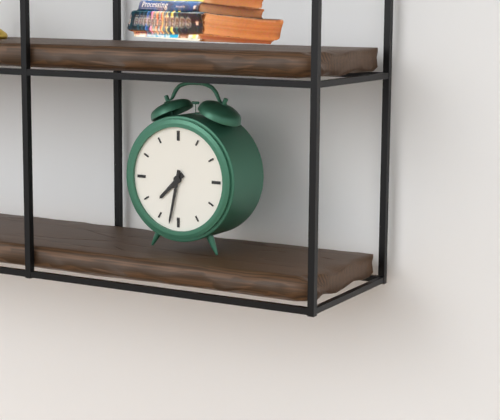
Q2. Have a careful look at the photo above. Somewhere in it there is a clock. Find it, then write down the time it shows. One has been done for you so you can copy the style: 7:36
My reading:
7:32
